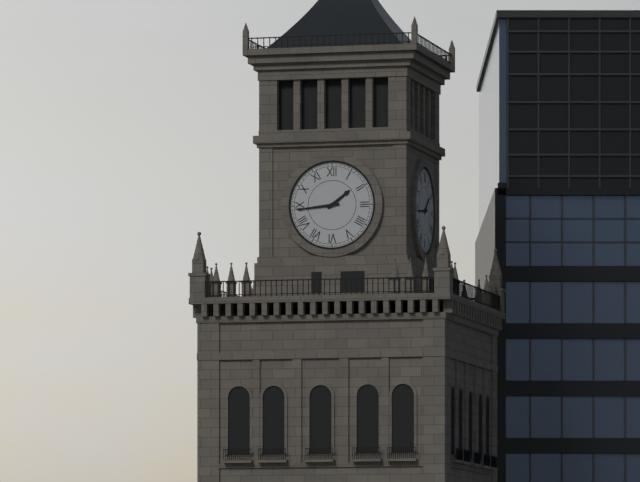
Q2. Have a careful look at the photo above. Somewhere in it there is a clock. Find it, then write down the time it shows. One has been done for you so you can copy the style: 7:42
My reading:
1:44
